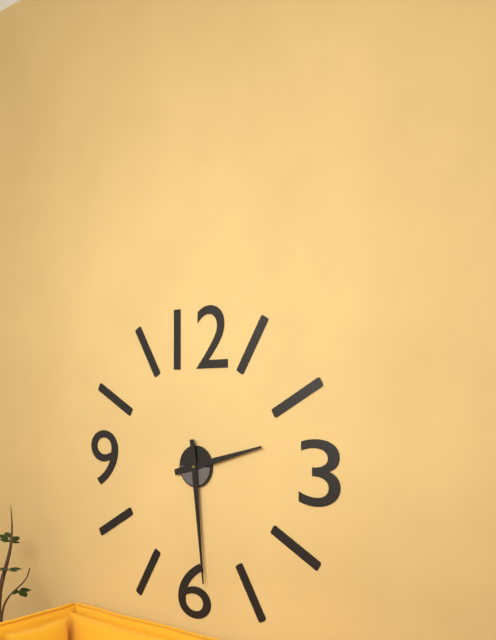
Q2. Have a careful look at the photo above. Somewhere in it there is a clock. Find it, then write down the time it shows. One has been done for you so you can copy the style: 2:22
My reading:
2:29
